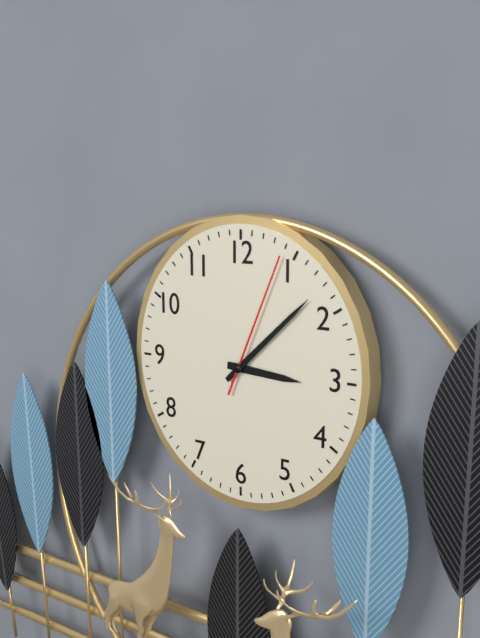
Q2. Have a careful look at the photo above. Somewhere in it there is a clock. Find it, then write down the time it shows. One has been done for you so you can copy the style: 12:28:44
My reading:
3:08:04
